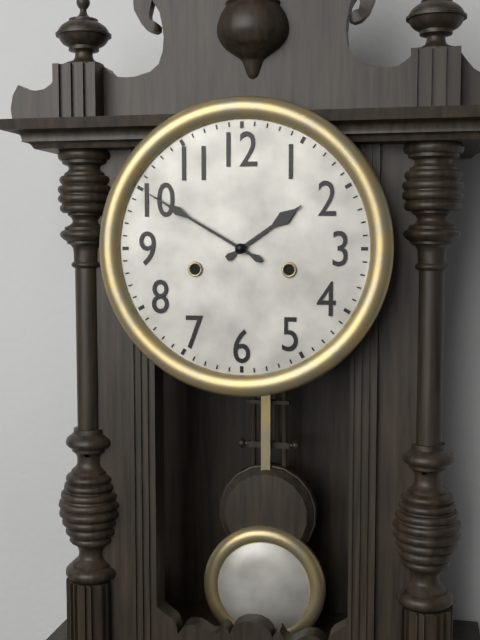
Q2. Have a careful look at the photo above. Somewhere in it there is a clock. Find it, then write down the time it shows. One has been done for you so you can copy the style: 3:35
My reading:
1:50
